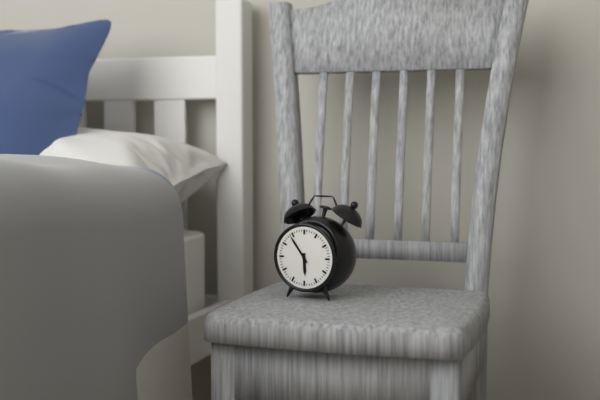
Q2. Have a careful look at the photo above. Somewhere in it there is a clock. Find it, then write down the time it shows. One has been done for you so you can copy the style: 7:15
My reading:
5:54
